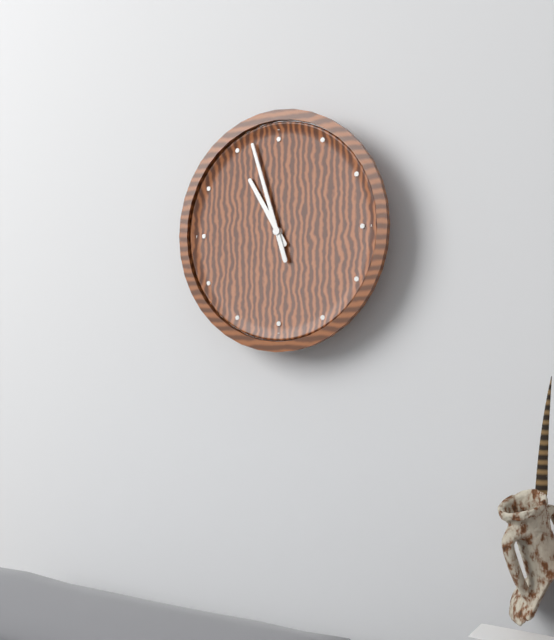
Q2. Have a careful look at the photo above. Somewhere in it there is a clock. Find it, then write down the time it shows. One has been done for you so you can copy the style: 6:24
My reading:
10:57
